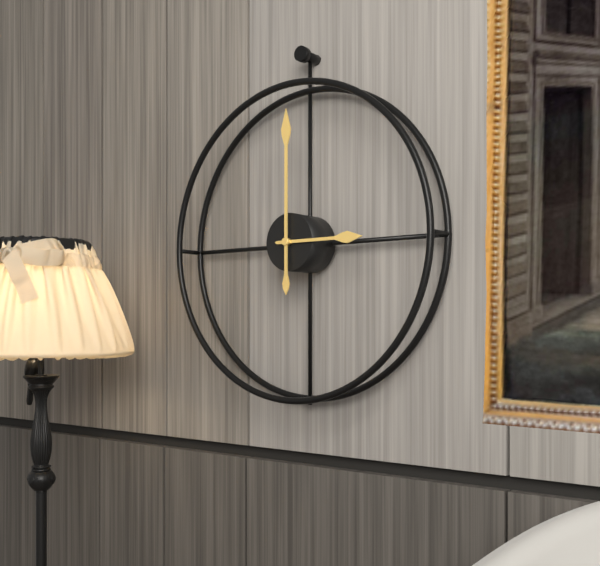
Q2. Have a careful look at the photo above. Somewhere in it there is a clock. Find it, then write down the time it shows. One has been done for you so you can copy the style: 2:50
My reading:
3:00
